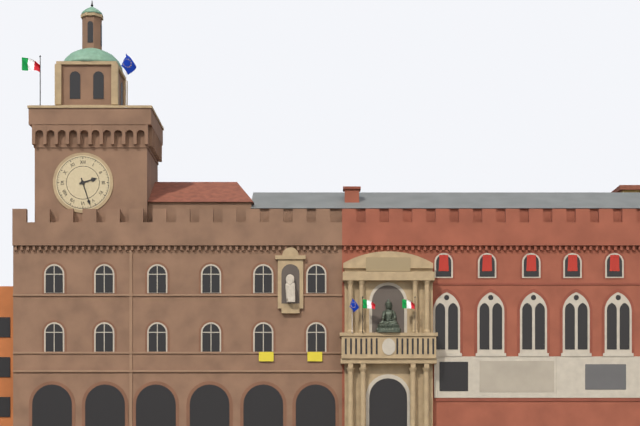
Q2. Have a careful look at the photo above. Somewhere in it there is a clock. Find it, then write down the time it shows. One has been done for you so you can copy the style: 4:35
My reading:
2:27
